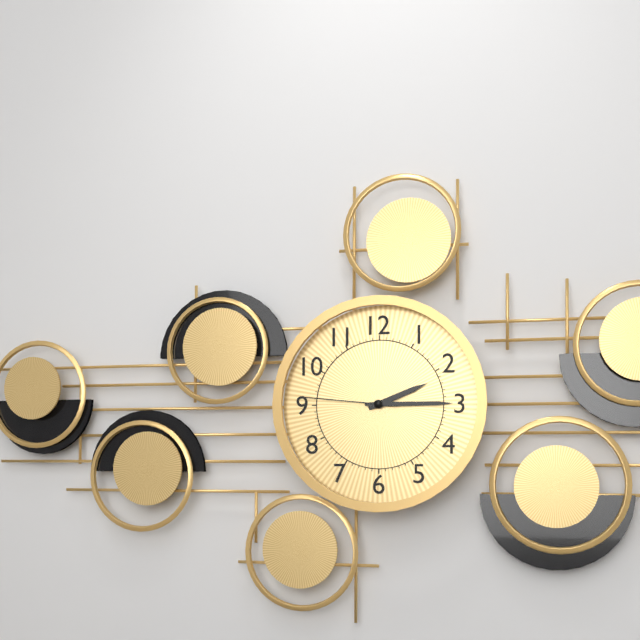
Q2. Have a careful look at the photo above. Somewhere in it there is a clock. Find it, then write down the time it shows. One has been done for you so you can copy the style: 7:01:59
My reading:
2:15:46
